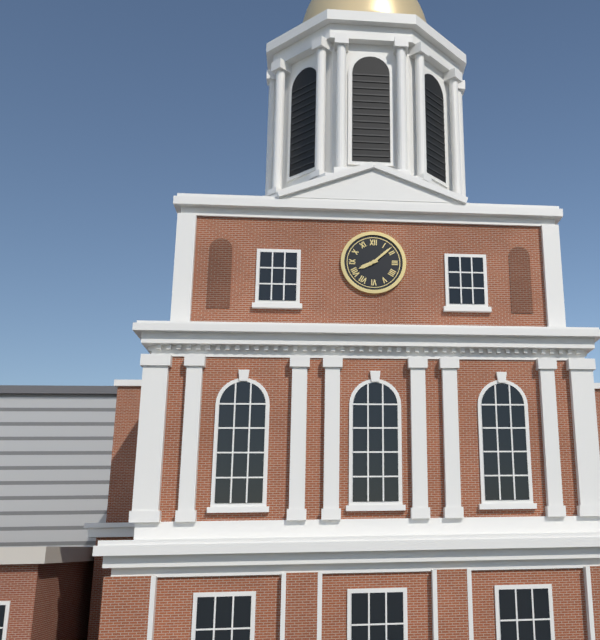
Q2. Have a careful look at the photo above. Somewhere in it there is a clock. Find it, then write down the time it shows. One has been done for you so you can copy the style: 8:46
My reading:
8:08
